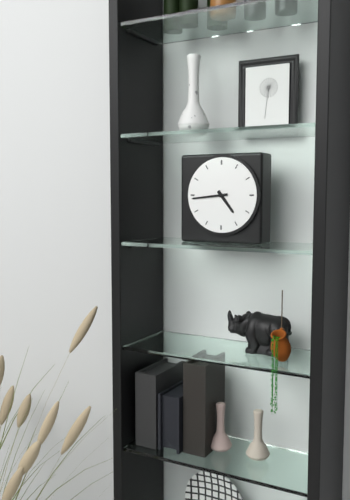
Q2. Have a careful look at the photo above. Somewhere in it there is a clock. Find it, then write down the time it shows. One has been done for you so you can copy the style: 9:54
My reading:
4:44
